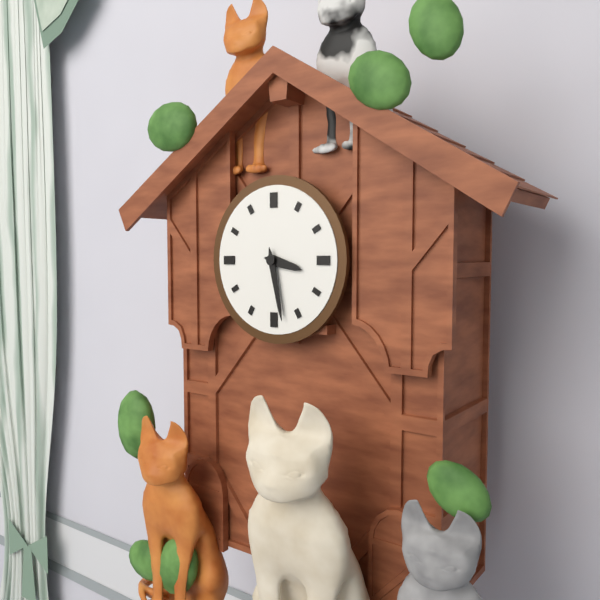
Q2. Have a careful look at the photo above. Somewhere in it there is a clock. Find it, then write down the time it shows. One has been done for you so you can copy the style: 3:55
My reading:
3:28
